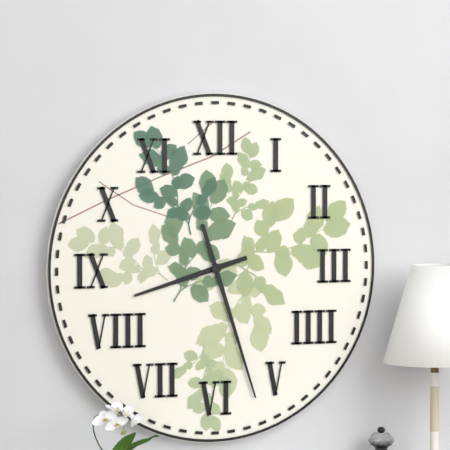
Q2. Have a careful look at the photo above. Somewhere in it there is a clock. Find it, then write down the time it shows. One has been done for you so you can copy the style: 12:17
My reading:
8:27
